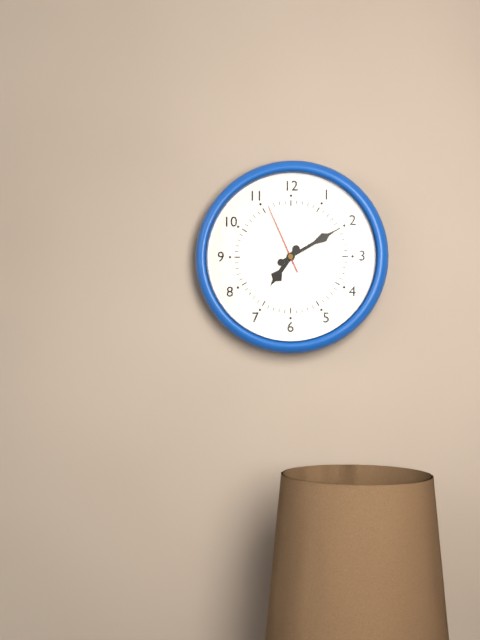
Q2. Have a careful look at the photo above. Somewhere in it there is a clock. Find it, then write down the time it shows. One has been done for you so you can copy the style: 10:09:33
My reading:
7:10:56
